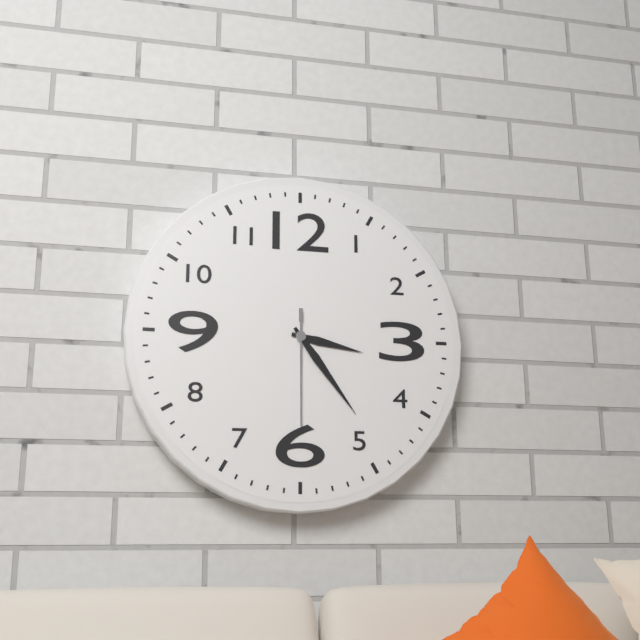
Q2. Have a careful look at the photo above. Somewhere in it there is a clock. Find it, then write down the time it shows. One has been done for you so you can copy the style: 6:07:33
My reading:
3:24:30
